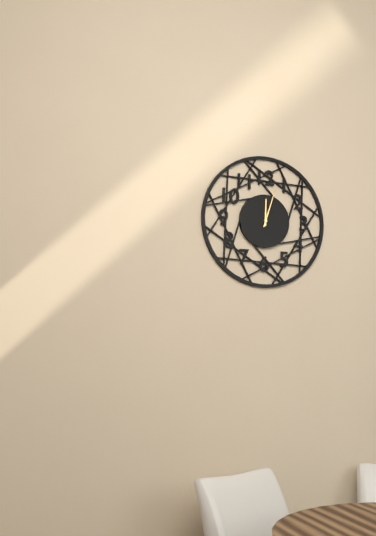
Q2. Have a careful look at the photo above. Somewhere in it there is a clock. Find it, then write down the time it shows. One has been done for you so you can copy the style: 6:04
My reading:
12:03
